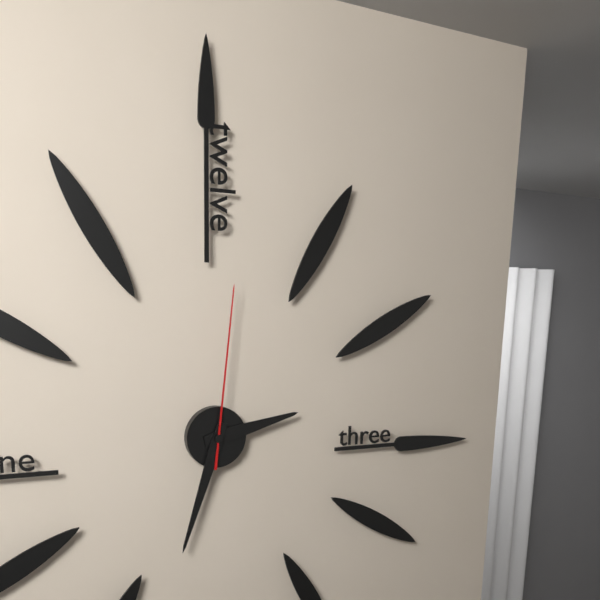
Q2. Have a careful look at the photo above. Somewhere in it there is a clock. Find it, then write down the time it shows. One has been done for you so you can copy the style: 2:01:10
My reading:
2:33:01
